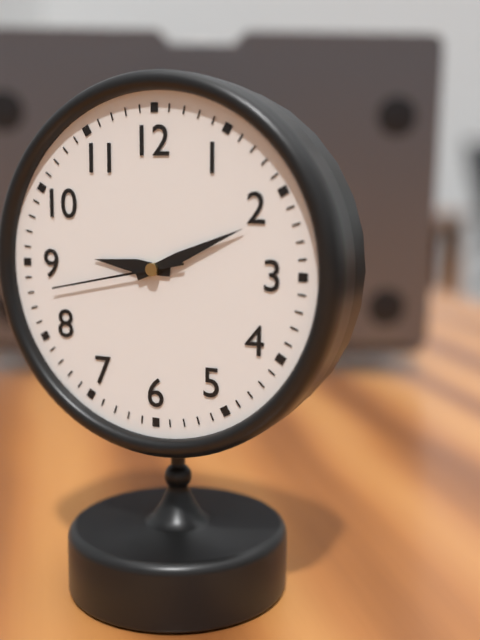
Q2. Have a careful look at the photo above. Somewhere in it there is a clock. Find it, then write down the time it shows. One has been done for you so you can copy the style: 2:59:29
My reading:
9:11:43
